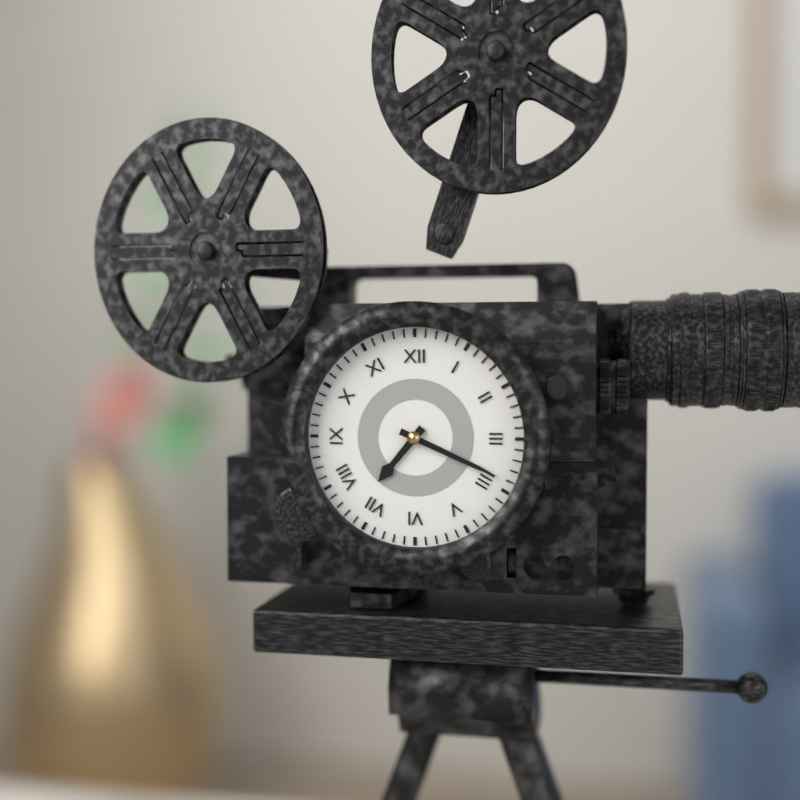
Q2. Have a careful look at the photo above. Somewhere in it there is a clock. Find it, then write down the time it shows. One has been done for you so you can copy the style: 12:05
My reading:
7:19
